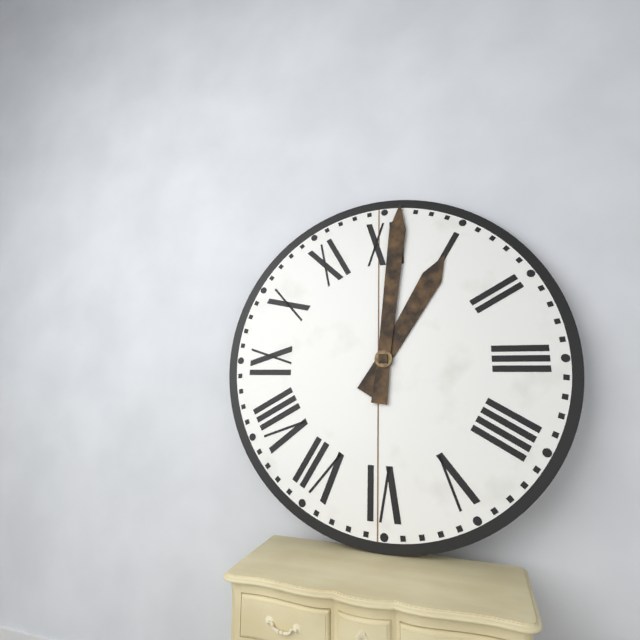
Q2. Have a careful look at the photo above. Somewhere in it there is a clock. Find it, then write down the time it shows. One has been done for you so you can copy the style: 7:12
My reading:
1:01
